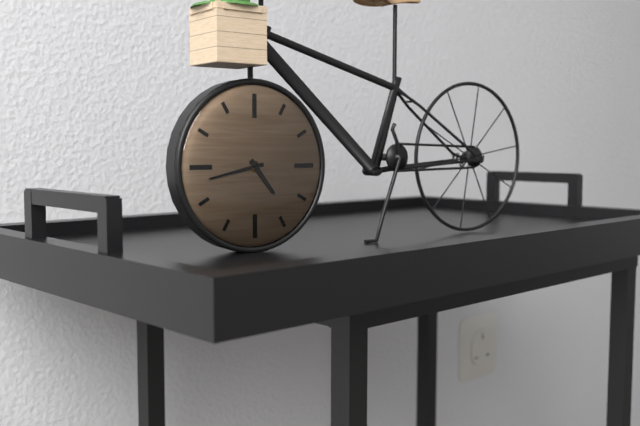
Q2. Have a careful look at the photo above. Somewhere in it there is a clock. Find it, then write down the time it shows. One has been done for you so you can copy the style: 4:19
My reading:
4:43
